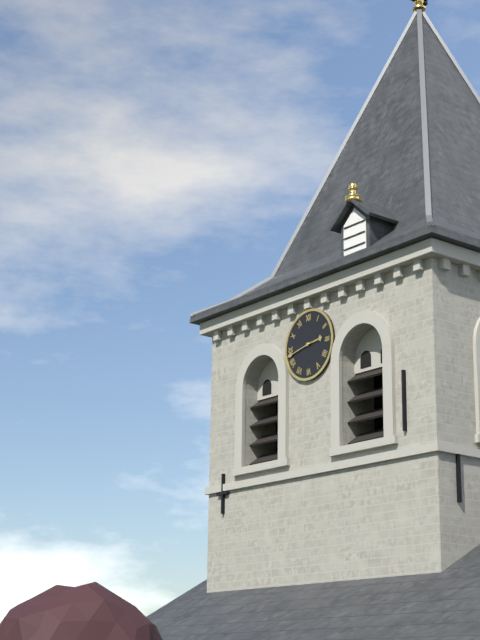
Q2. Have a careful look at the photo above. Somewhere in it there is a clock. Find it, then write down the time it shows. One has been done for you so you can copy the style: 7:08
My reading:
2:43
